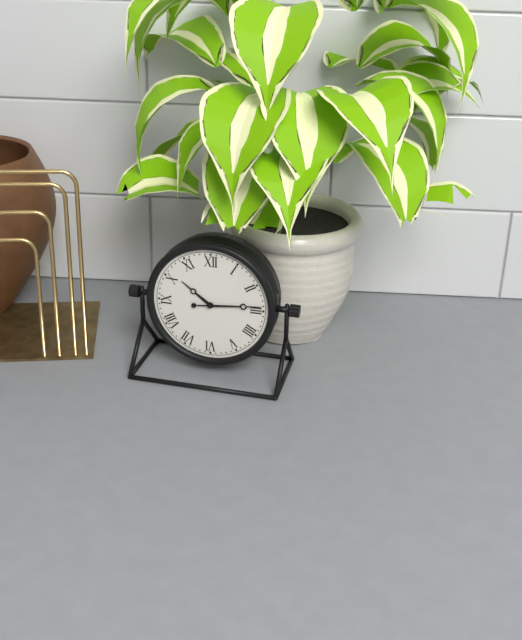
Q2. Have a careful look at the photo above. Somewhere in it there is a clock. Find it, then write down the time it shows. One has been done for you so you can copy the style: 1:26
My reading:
10:14
